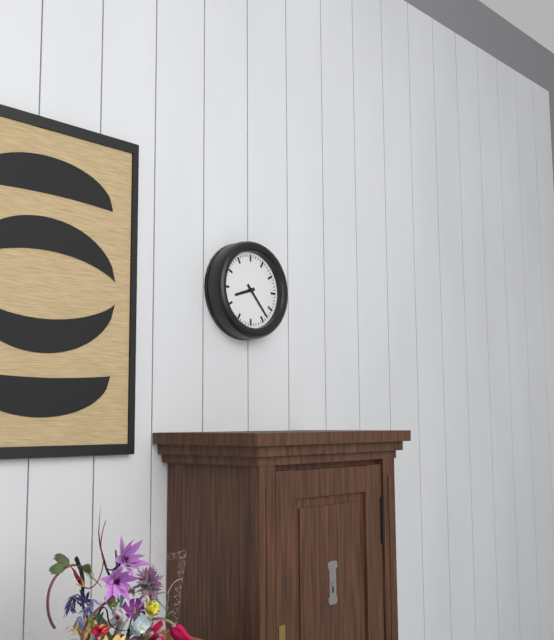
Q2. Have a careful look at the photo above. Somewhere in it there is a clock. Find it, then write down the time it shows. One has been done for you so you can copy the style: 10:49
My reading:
8:23
